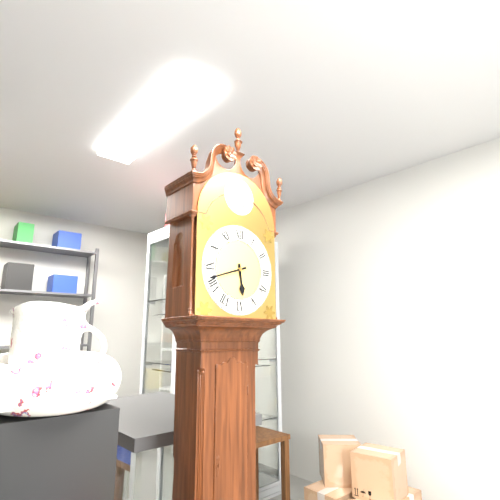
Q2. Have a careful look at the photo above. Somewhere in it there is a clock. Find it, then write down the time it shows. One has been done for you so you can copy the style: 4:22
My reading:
5:42
